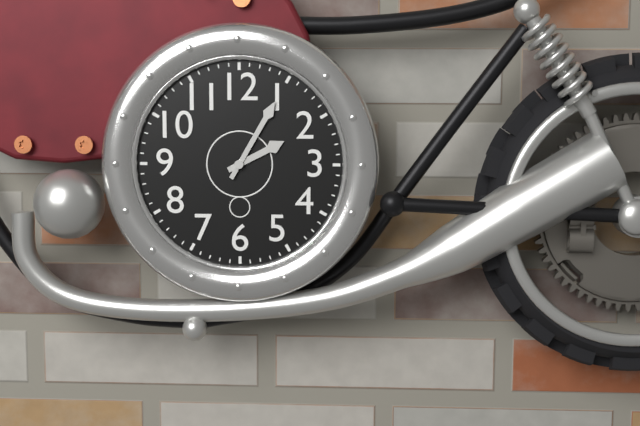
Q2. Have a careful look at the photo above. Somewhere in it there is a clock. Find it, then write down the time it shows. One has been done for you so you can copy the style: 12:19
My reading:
2:05
